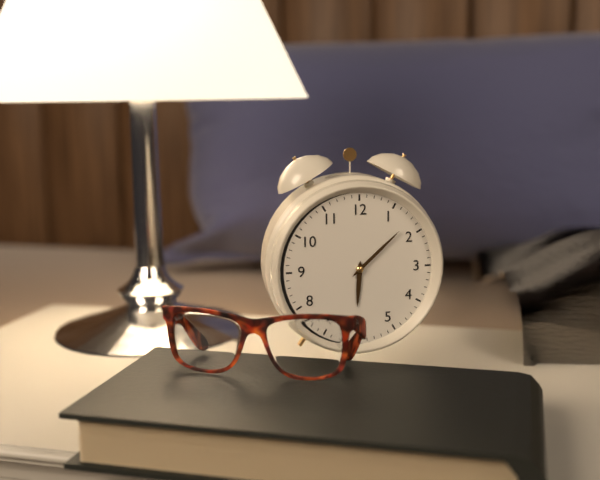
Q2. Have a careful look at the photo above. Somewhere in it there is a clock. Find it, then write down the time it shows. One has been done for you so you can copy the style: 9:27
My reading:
6:08
